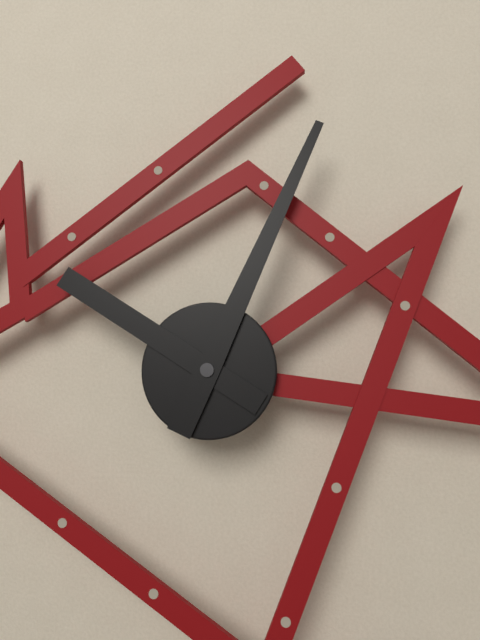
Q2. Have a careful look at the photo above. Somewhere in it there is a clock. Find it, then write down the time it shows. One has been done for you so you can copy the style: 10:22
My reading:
10:04
